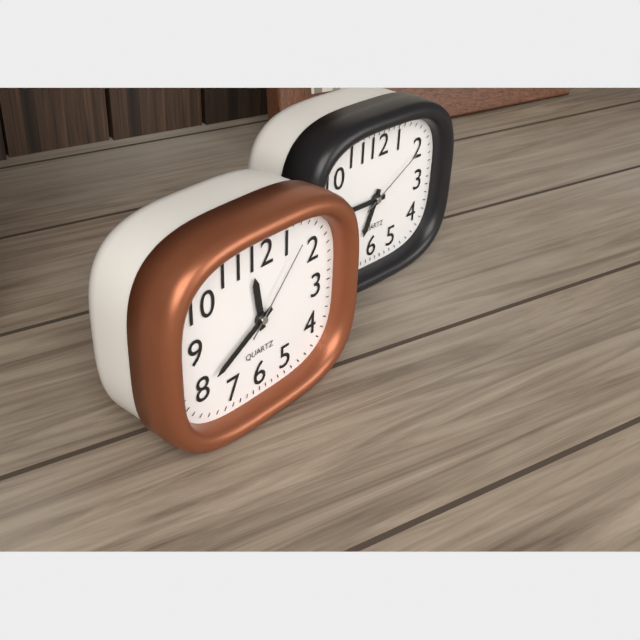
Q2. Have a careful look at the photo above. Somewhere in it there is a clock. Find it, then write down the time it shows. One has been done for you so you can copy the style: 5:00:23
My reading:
11:40:07
